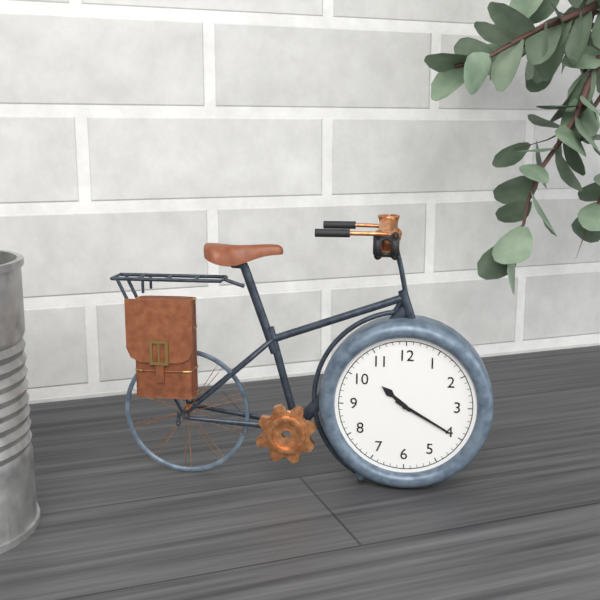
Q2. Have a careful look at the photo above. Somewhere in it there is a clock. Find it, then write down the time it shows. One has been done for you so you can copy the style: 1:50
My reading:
10:20
